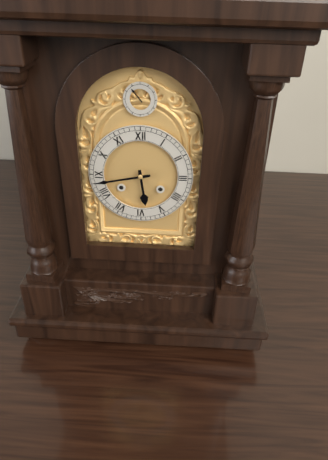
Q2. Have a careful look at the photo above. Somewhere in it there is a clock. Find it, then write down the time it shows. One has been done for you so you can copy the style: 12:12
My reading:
5:43
